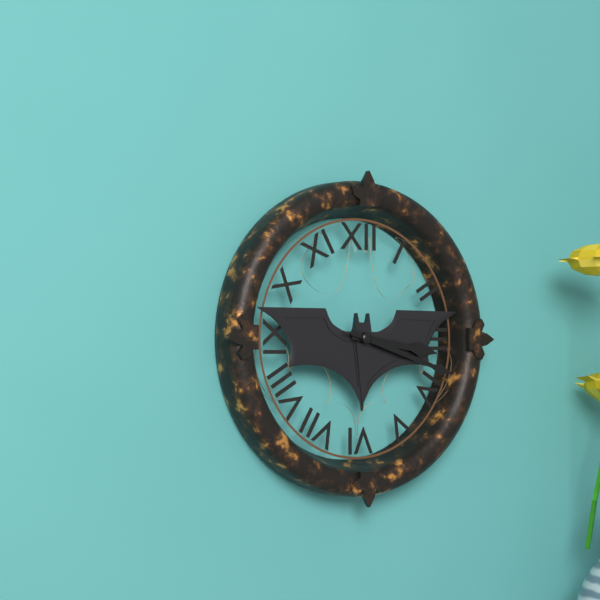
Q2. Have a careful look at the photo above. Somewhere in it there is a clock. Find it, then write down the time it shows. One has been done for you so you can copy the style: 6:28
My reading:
3:18
